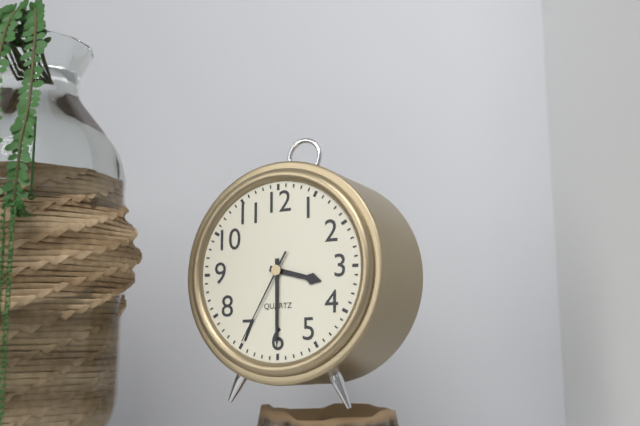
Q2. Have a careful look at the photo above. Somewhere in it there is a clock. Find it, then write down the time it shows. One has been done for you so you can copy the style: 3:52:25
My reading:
3:30:35
